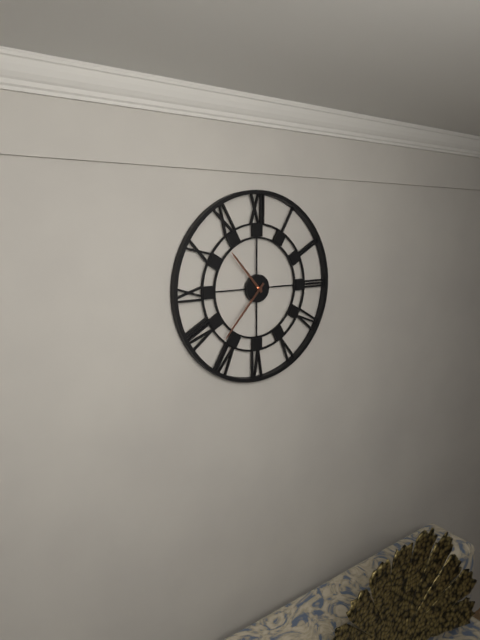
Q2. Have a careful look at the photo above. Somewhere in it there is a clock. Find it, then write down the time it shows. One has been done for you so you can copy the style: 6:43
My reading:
10:37
